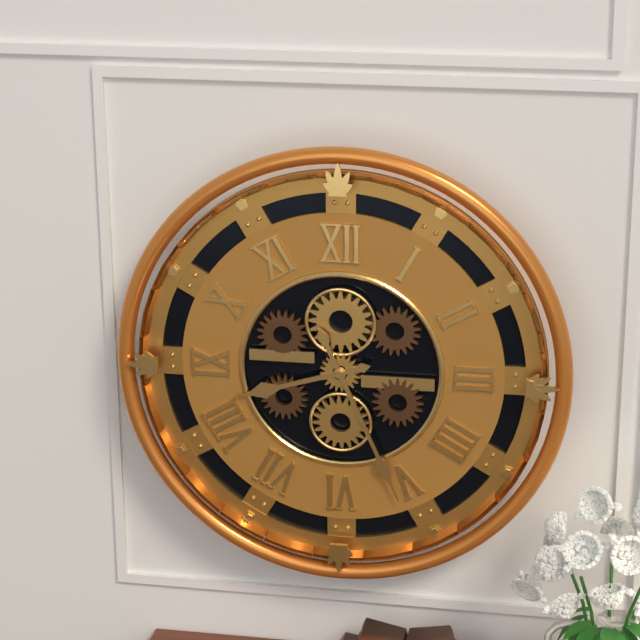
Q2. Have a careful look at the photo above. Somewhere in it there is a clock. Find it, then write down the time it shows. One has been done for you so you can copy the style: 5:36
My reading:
8:26
